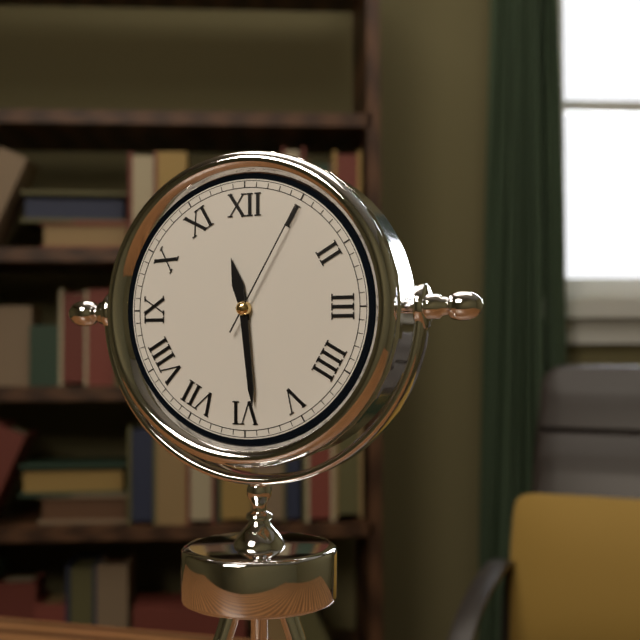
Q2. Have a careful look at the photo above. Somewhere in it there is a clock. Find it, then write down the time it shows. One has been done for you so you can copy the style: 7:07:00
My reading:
11:29:05
